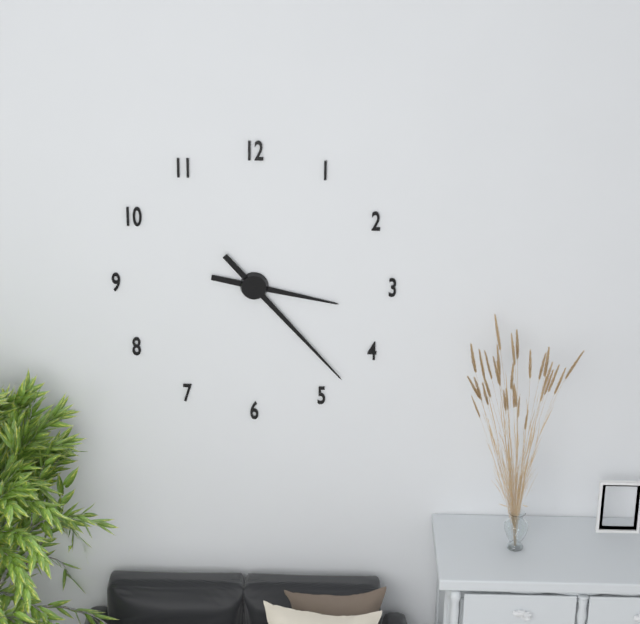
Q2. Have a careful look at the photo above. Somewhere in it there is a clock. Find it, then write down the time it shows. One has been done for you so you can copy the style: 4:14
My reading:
3:23
